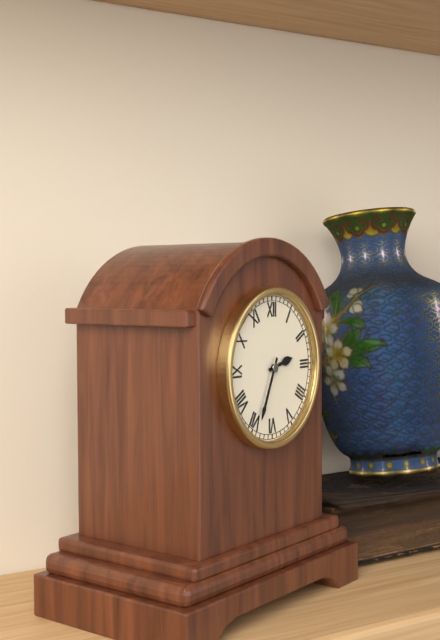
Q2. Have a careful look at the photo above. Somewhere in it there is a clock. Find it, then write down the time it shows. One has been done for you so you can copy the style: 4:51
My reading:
2:34
